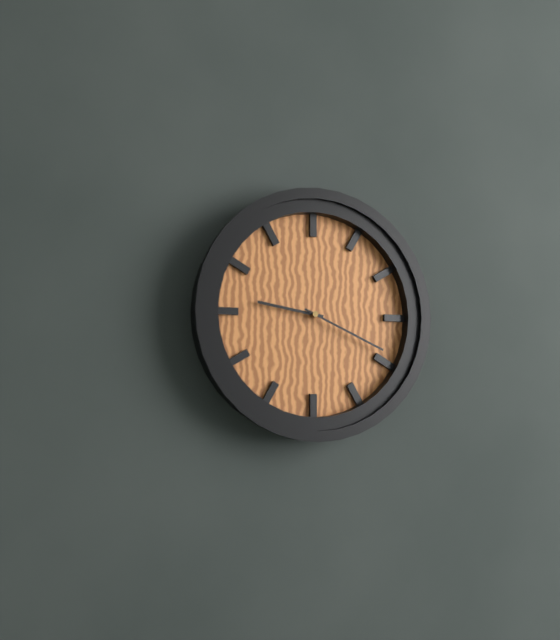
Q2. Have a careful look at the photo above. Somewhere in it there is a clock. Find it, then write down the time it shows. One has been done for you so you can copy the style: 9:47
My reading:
9:19
